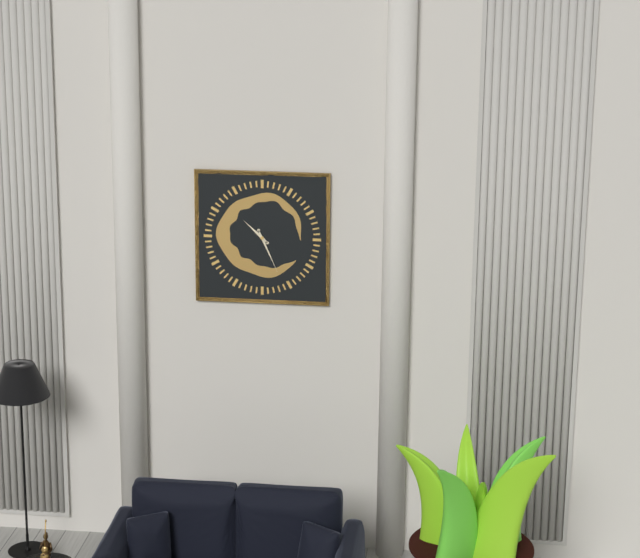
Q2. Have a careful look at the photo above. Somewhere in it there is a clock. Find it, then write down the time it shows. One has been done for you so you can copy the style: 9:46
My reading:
10:26
